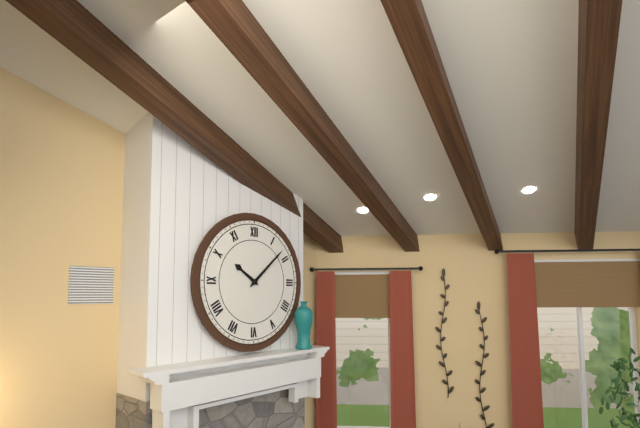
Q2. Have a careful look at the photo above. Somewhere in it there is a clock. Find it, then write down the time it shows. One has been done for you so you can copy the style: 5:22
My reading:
10:08
